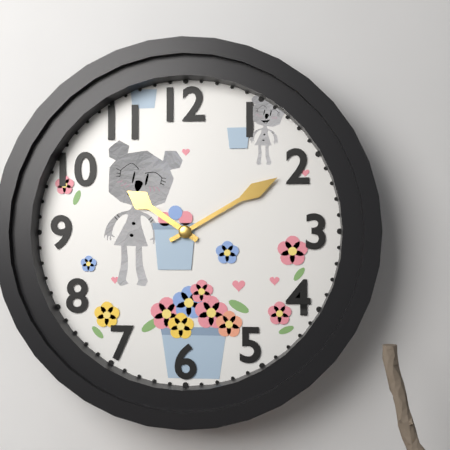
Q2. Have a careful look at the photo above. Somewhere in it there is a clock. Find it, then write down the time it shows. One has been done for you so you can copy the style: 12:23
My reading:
10:10
